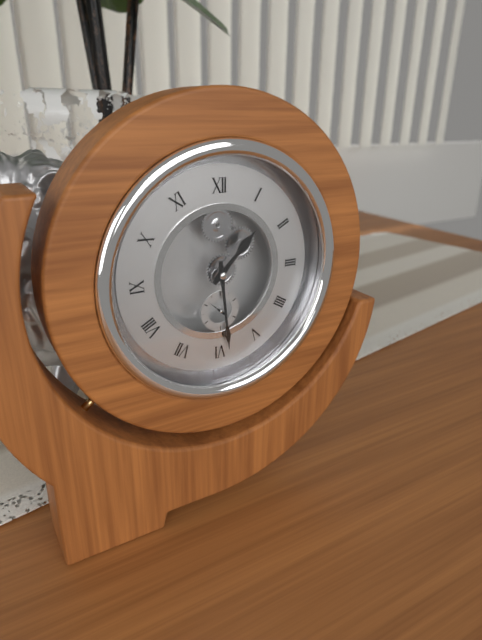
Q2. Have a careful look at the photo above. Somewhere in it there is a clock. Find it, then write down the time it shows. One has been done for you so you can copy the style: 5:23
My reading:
1:29
